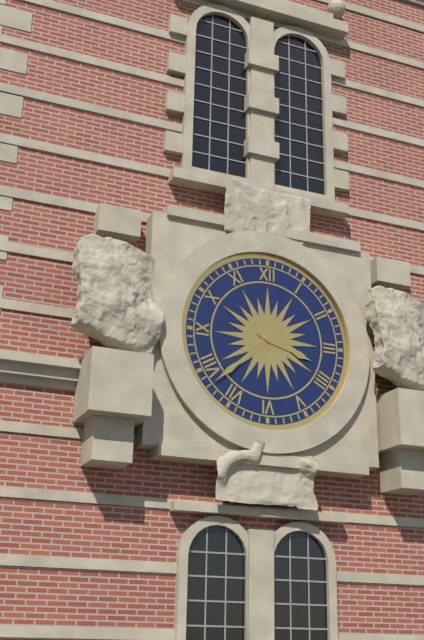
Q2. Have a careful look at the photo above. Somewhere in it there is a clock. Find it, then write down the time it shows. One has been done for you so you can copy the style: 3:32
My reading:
3:38
